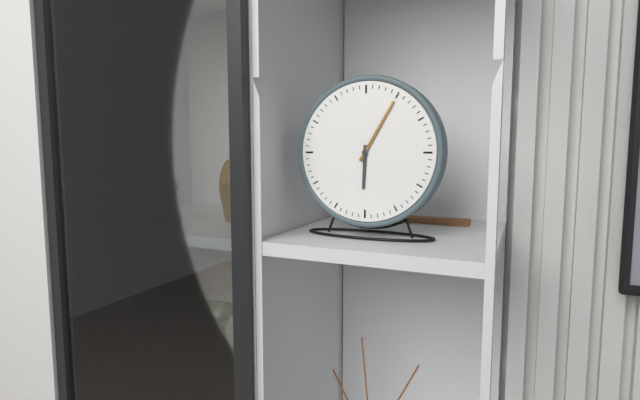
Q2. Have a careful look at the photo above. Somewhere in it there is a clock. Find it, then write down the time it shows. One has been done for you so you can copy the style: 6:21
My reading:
6:05
